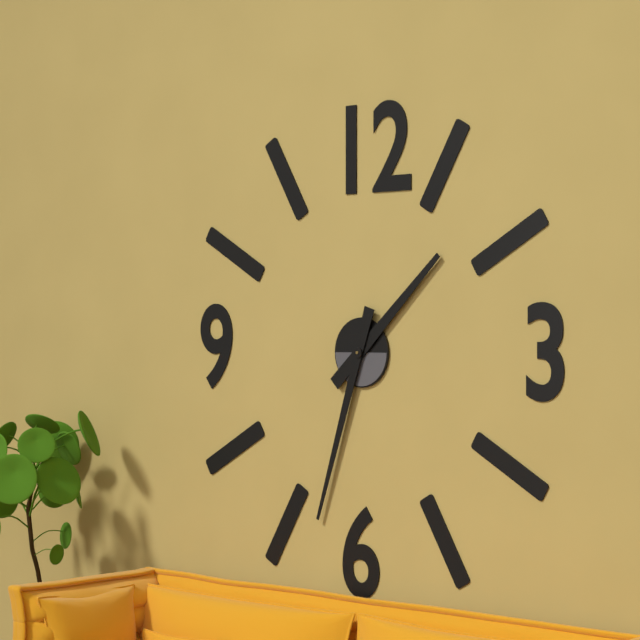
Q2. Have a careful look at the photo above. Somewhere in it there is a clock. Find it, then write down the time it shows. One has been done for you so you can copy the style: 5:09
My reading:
1:33
